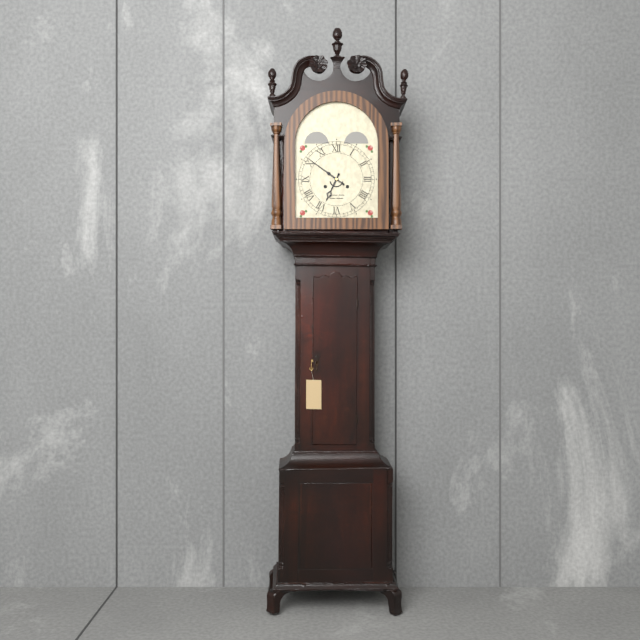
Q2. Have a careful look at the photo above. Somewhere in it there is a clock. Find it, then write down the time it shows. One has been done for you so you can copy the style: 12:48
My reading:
6:51
